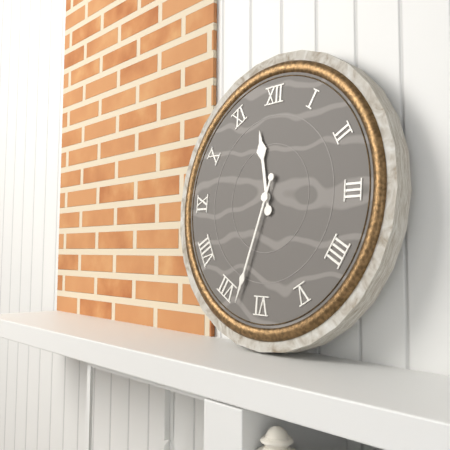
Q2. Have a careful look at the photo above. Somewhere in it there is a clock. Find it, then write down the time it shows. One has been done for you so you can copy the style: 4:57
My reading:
11:33
